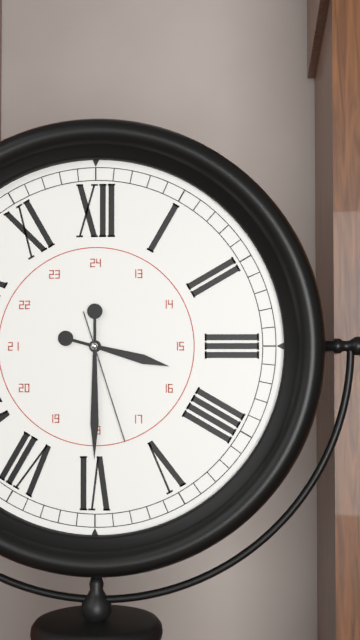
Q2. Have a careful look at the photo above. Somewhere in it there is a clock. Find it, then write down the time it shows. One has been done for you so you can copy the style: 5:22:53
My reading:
3:30:27
